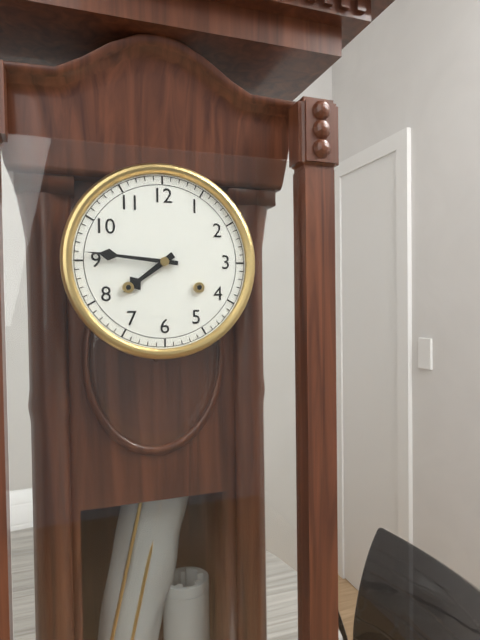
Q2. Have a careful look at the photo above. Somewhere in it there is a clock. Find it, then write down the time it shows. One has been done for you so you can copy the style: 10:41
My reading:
7:46
